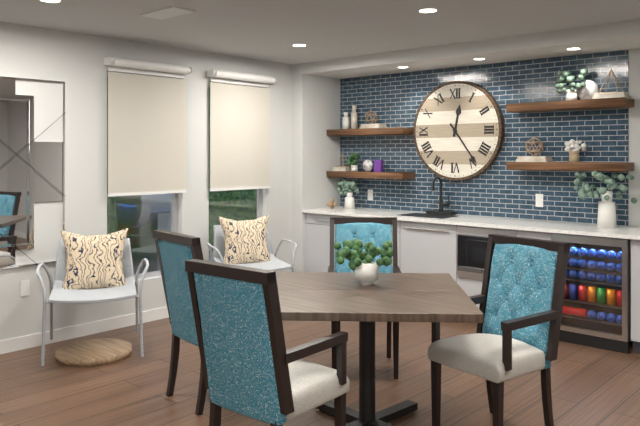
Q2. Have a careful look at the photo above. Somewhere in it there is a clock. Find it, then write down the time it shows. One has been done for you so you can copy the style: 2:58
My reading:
12:24
